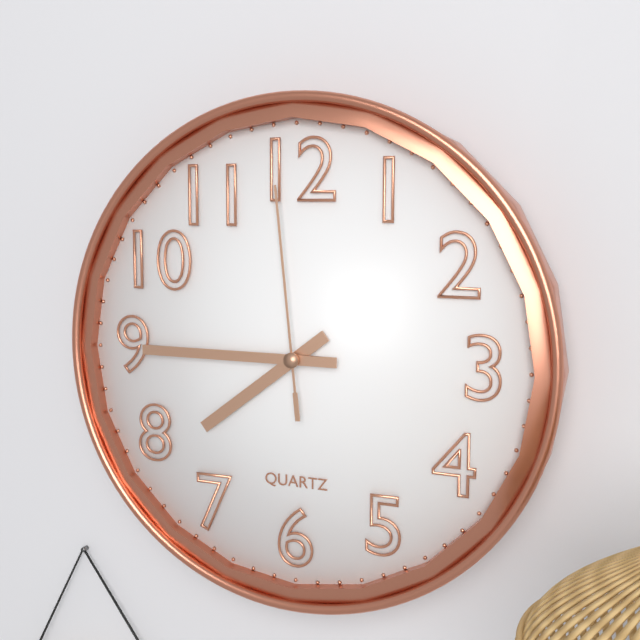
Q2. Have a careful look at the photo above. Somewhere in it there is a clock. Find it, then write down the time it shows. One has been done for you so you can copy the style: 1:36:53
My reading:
7:45:59
